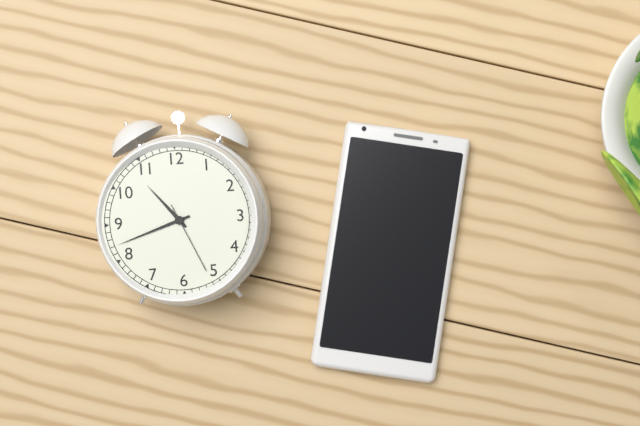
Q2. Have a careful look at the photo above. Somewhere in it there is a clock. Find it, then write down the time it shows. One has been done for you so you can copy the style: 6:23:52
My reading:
10:42:26
